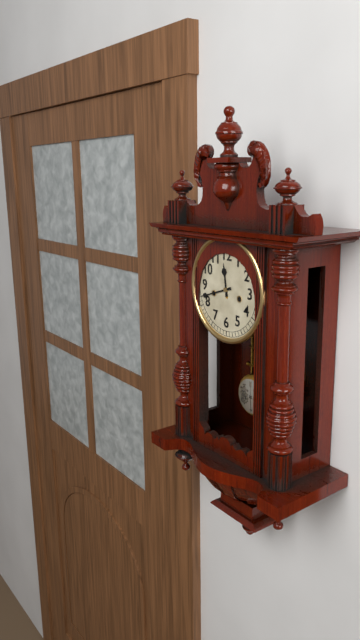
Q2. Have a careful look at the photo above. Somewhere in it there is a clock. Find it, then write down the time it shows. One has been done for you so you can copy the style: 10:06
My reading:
11:42
